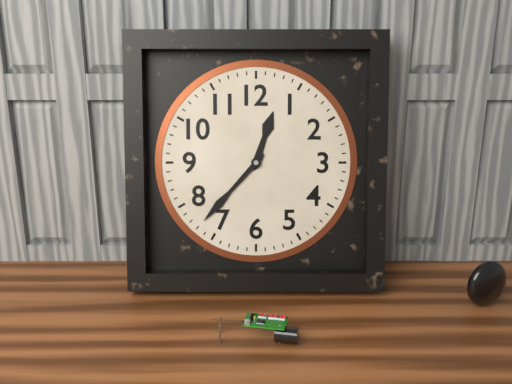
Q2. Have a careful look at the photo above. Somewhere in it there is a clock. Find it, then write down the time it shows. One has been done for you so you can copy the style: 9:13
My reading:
12:37
